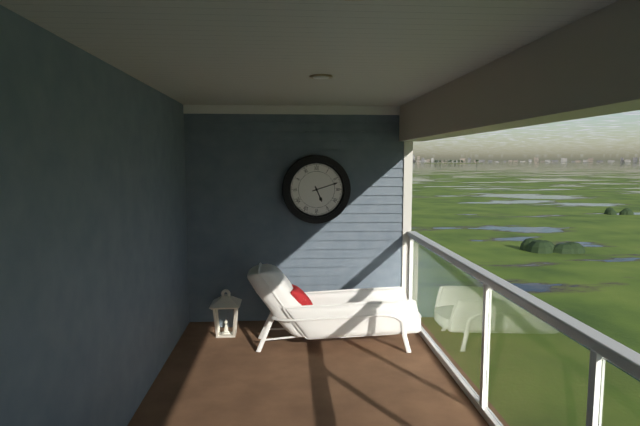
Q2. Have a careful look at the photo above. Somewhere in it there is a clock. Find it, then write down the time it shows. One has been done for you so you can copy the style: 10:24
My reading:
5:12
